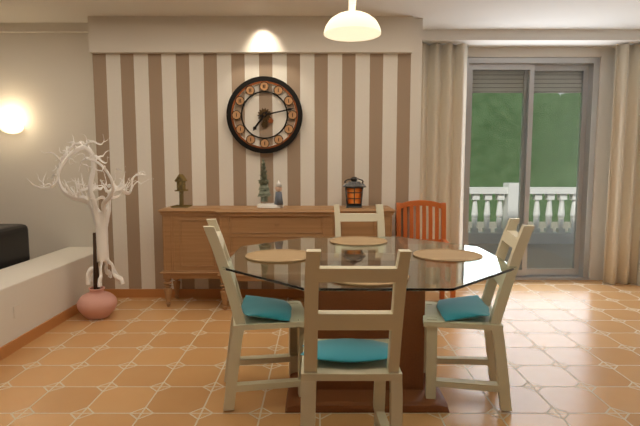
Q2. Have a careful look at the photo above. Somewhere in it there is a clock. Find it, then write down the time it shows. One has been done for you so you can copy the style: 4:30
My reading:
7:13
